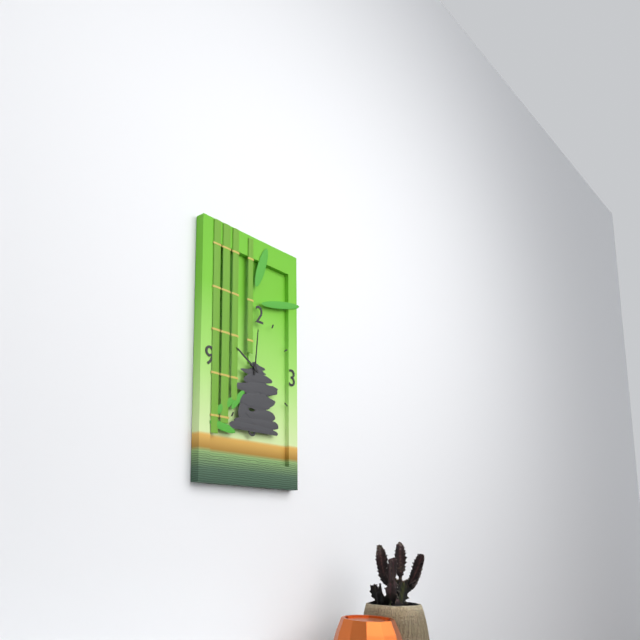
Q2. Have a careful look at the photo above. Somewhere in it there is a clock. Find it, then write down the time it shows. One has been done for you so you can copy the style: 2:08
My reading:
10:01
